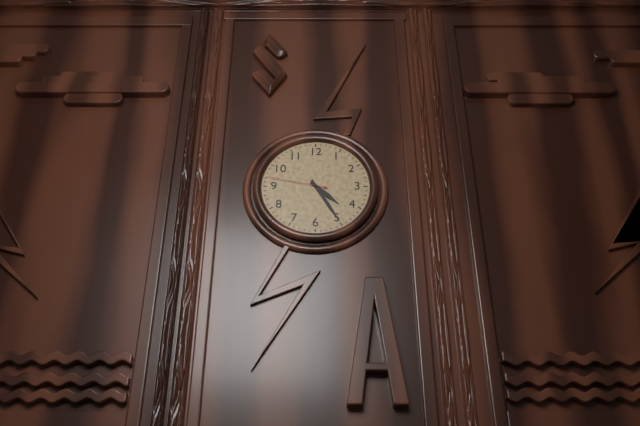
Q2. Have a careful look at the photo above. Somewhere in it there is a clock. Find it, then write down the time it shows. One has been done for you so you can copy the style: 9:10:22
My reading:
4:25:47
